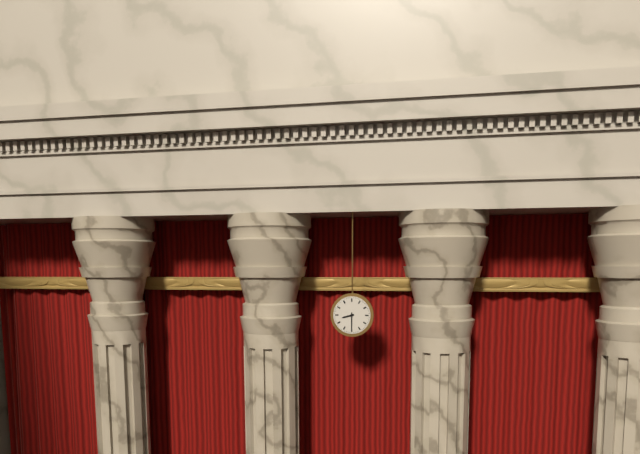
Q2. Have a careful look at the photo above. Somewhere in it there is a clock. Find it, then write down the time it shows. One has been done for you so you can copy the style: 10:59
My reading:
8:30
